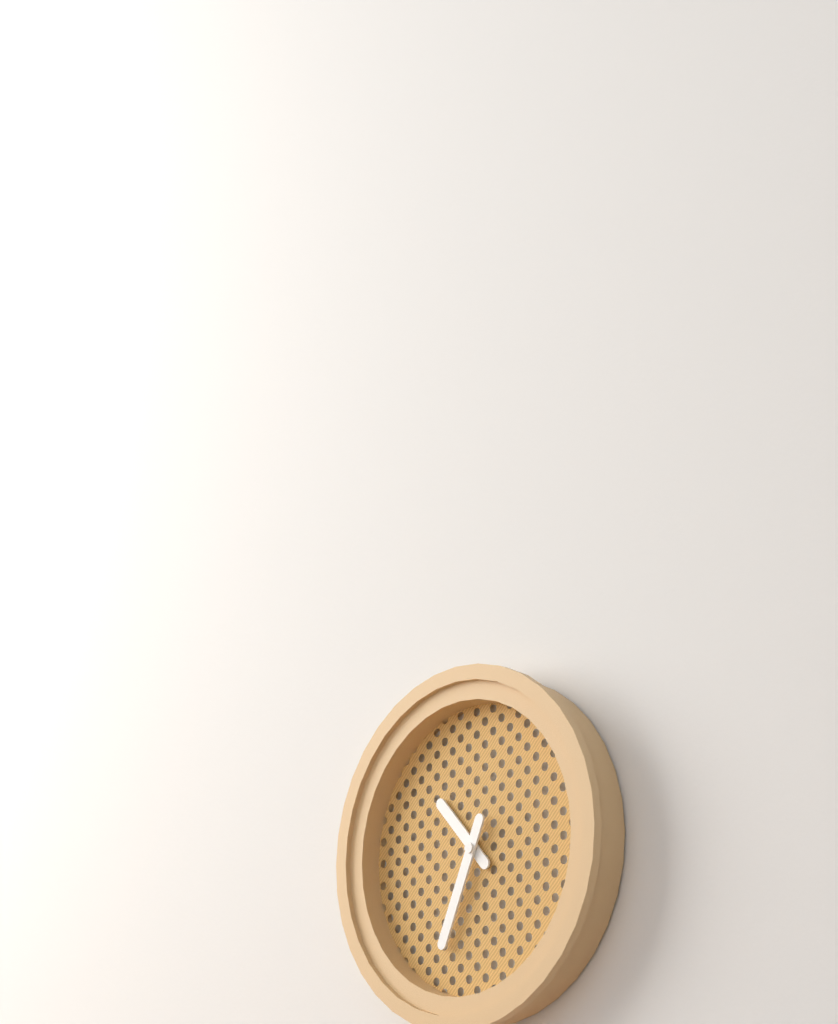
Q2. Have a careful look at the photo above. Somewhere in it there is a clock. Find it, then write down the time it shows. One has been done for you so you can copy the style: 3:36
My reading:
10:34
